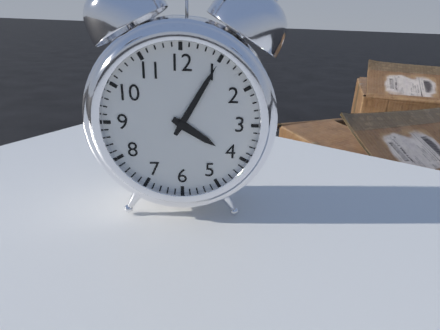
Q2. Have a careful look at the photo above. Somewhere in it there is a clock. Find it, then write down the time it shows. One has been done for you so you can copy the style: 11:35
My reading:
4:05
